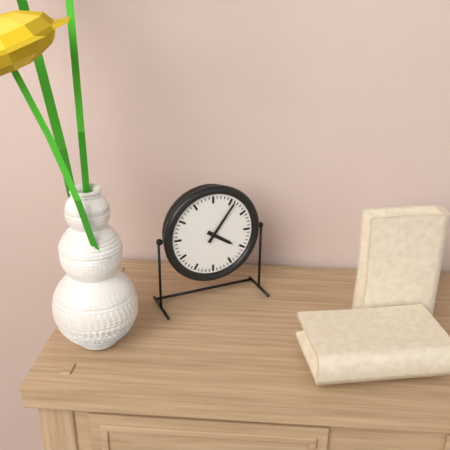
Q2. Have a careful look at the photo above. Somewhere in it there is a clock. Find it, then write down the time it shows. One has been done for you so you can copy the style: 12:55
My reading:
4:06
